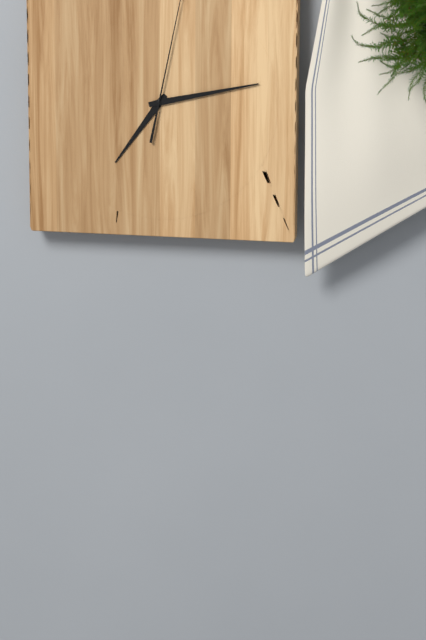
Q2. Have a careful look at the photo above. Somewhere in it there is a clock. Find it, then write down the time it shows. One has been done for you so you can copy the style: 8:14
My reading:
7:13
